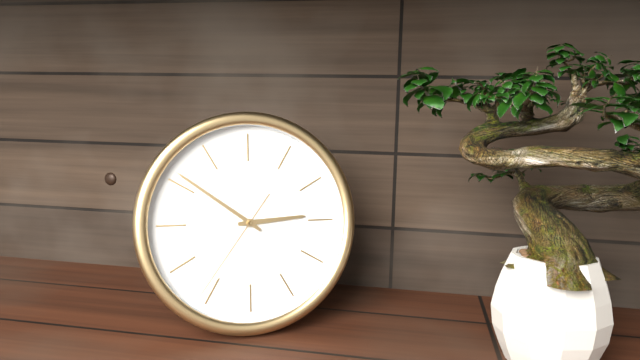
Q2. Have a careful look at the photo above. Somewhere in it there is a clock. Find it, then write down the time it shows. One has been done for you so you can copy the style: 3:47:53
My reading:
2:51:36
